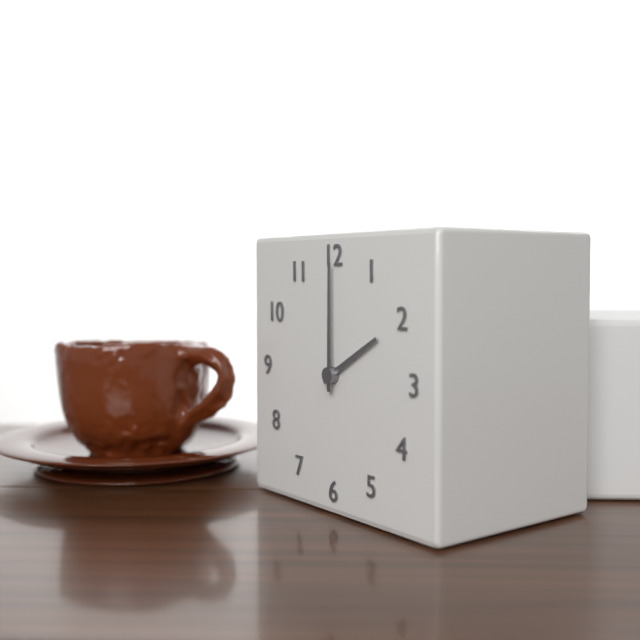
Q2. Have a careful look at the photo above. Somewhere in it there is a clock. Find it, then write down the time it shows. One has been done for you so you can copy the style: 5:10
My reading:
2:00
